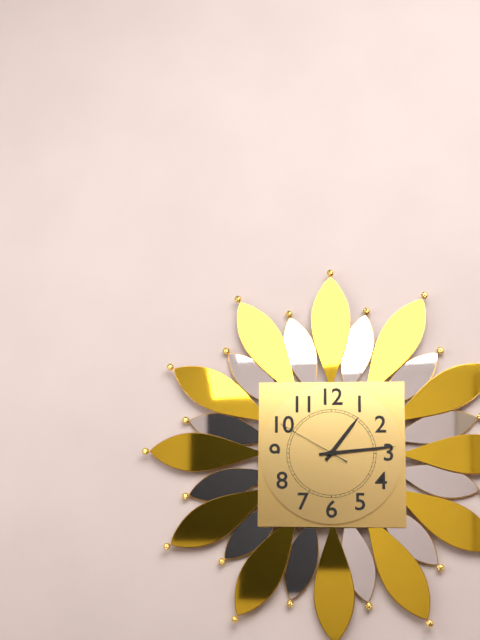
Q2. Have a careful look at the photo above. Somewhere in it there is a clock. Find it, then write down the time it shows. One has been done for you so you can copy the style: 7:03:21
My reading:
1:14:50
